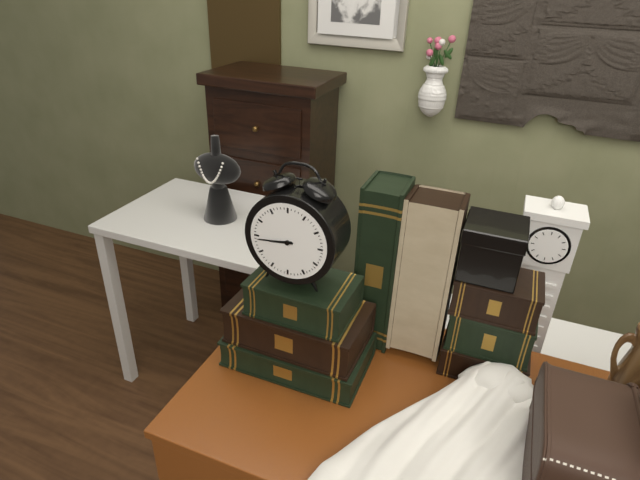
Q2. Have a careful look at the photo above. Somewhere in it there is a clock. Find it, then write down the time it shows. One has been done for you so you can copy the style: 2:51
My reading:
8:44
